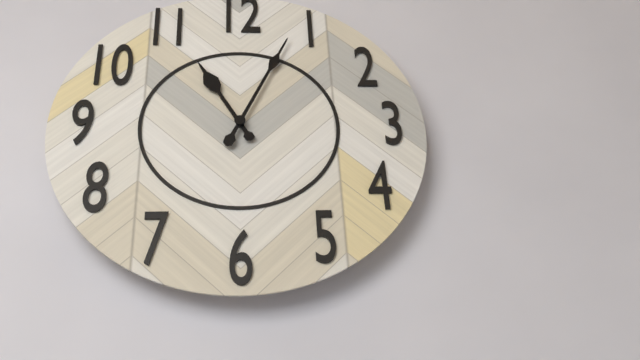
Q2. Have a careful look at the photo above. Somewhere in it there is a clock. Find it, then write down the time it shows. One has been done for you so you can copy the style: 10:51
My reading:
11:04
